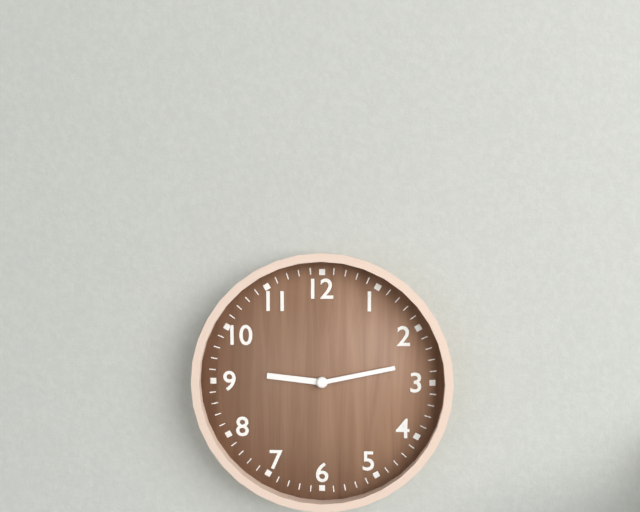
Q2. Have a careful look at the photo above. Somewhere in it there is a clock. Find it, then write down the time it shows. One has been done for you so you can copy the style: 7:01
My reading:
9:13
